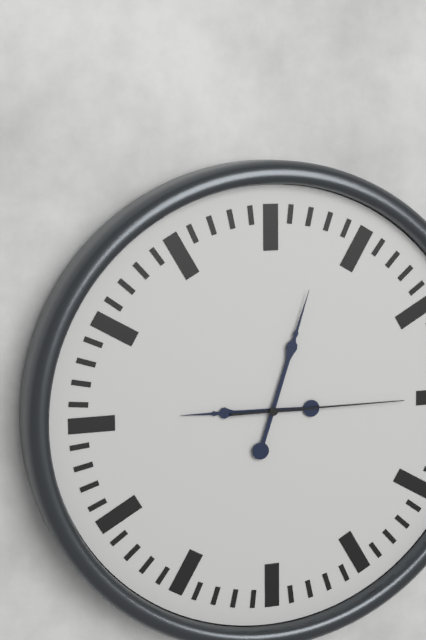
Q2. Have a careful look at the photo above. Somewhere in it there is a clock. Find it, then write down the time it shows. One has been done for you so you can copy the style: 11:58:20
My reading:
9:03:15
